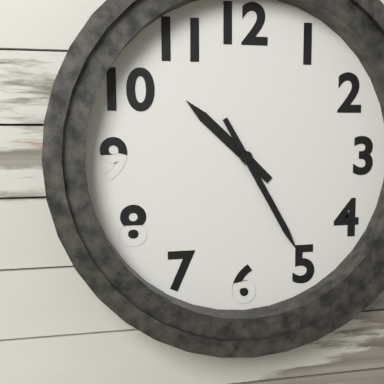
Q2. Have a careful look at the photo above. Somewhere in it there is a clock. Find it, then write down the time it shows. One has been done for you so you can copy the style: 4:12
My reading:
10:25
